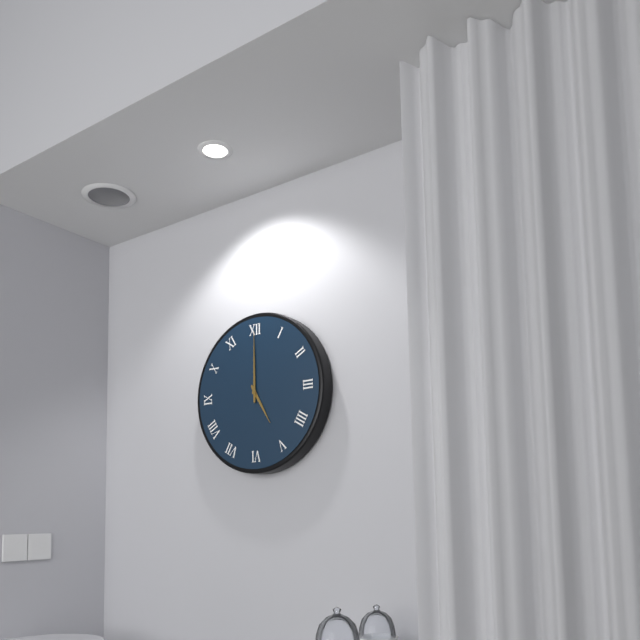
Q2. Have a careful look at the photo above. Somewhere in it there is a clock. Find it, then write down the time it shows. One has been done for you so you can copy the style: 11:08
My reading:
5:00
